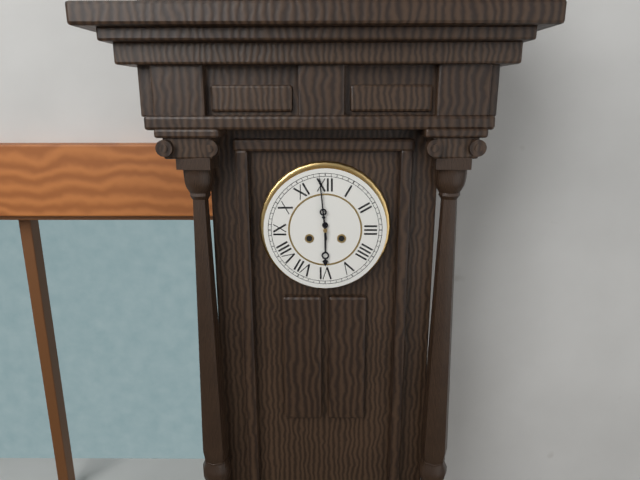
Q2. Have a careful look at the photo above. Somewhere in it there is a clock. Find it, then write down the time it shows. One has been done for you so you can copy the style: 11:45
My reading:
5:59
